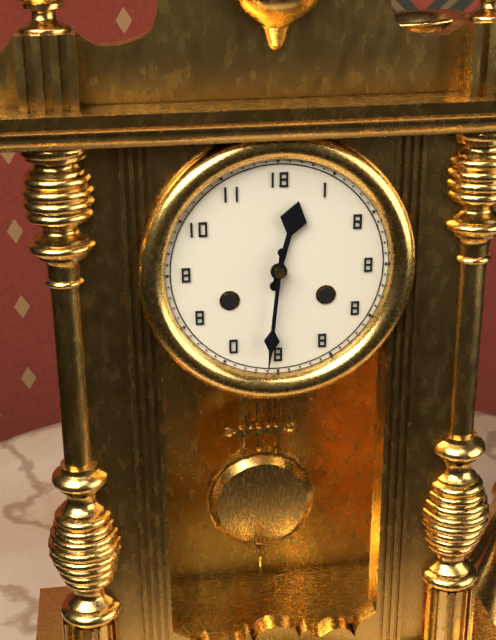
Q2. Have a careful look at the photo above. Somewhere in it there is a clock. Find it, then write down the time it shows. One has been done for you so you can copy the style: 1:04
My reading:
12:31
